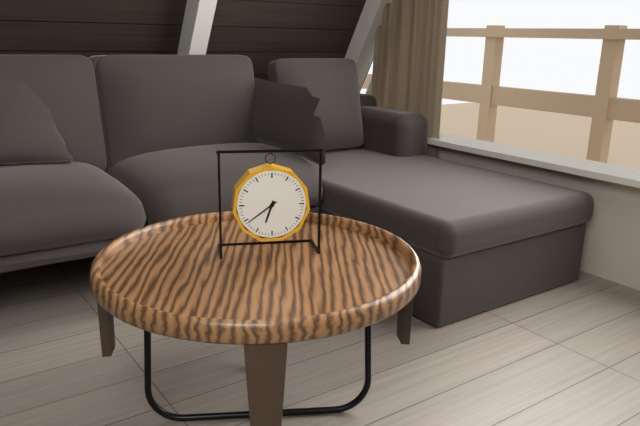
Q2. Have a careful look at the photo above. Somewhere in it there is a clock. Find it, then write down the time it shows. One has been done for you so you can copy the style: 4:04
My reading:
6:39
